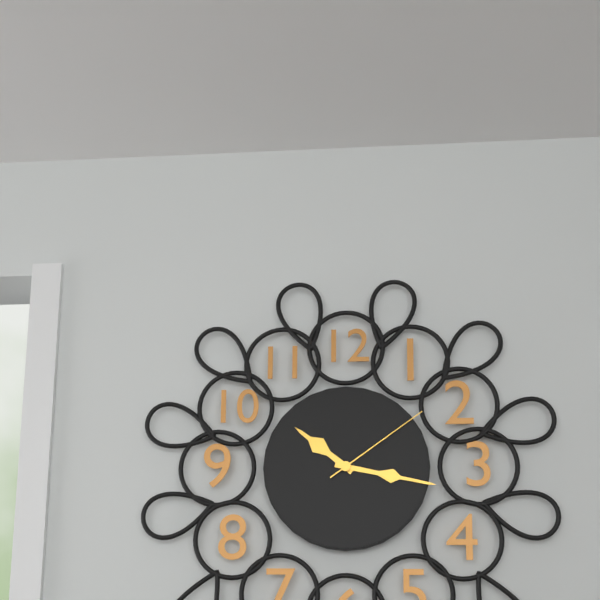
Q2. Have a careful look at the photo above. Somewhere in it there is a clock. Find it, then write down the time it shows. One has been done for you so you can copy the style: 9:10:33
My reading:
10:17:09
